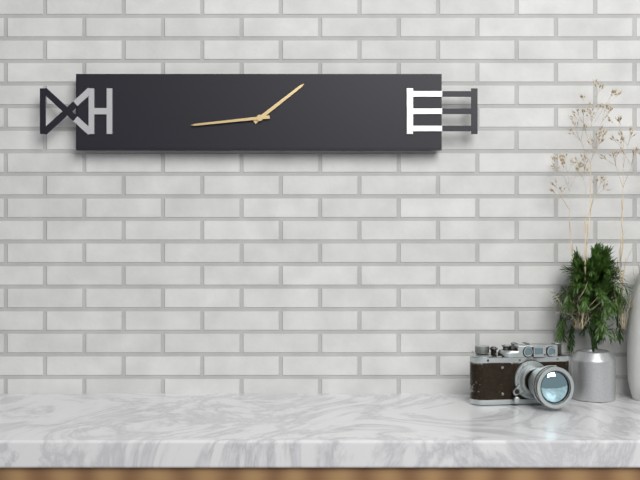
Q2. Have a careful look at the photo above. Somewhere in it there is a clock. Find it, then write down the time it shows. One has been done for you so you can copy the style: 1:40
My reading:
1:44
